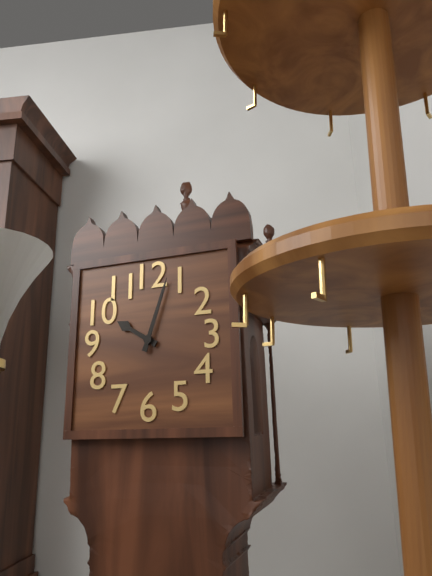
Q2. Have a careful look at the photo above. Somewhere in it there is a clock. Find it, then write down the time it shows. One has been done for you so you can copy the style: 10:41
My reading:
10:03
